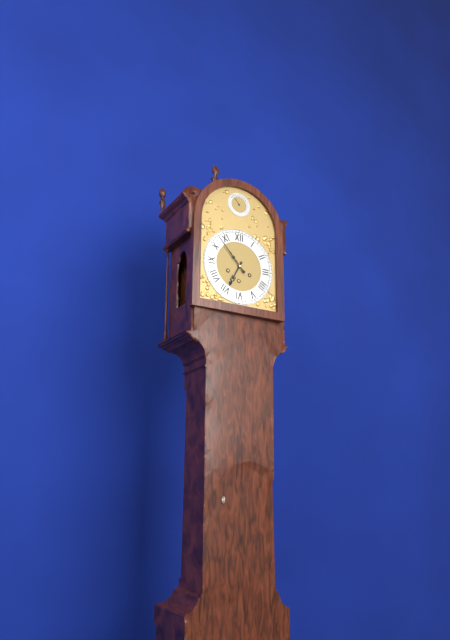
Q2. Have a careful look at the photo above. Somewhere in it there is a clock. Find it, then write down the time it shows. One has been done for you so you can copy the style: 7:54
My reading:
6:53
